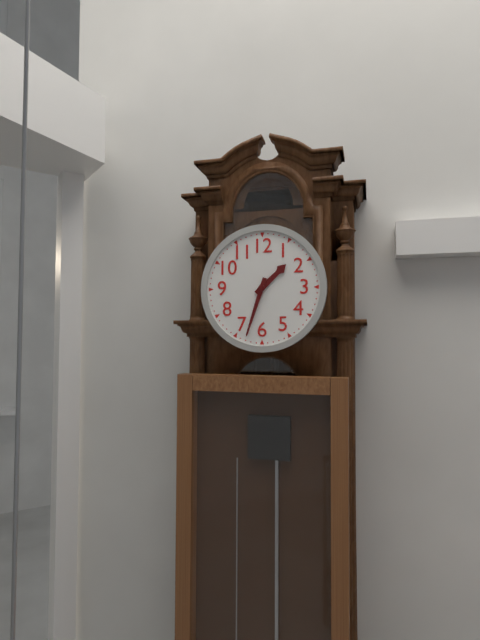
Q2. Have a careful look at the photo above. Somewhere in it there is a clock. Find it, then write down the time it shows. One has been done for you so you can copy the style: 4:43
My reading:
1:33
